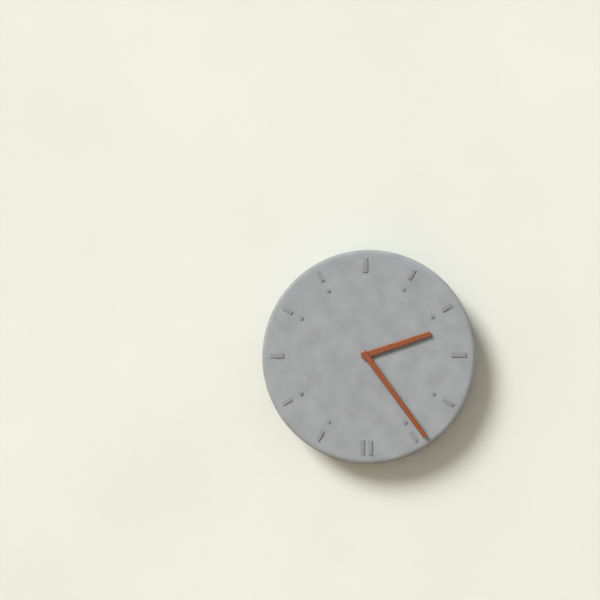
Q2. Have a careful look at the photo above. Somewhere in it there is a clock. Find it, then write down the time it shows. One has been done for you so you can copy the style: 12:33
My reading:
2:24
